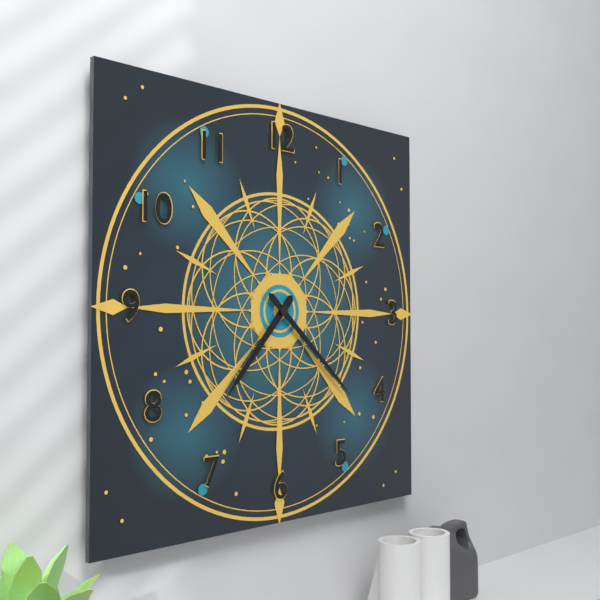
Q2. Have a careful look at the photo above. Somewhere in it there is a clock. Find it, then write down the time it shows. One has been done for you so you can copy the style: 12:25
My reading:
7:22
